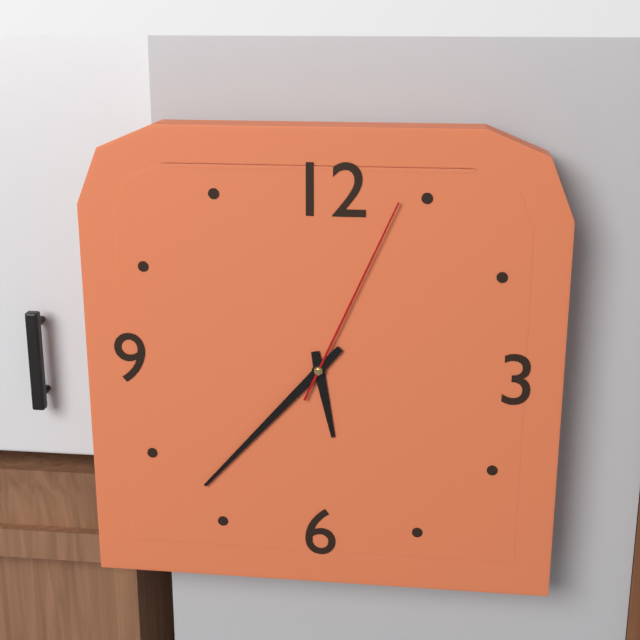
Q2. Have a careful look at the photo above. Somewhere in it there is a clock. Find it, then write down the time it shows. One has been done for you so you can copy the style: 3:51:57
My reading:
5:37:04
